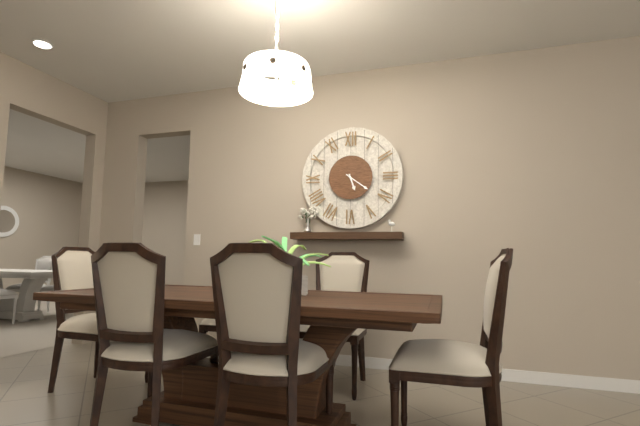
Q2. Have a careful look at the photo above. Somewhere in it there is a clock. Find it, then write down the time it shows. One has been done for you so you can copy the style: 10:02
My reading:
5:21
